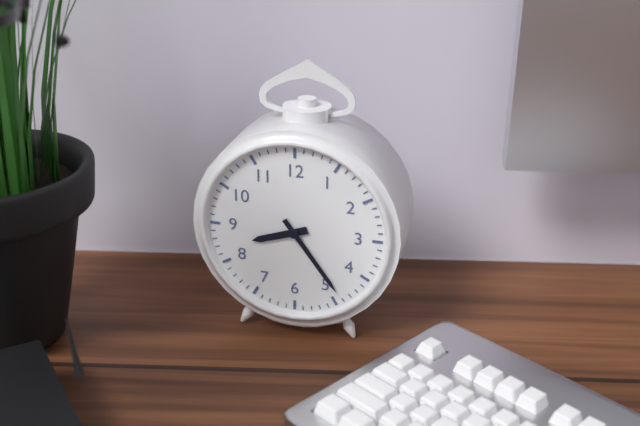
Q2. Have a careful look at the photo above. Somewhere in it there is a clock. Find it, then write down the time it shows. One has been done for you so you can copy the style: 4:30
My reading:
8:24
